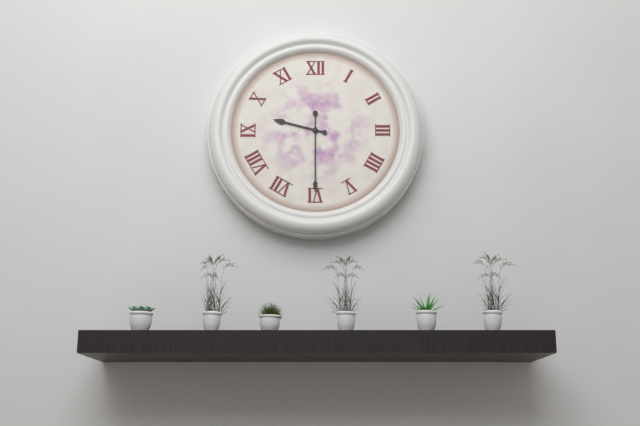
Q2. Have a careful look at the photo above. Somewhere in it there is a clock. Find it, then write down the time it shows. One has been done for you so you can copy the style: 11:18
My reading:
9:30
